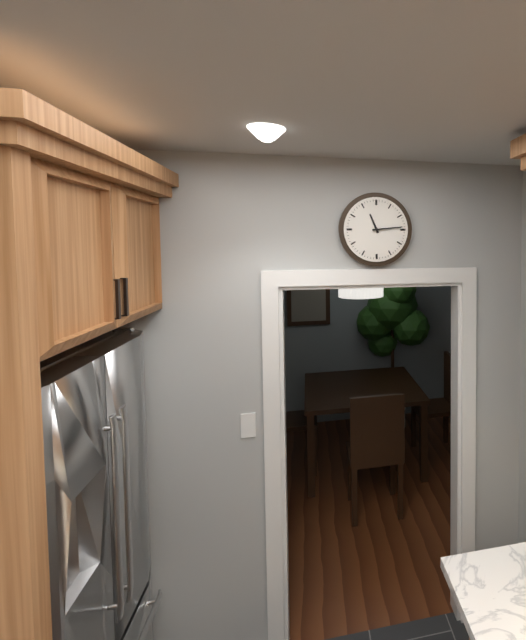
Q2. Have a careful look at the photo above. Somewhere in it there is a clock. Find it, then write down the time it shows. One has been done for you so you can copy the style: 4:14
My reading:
11:14
